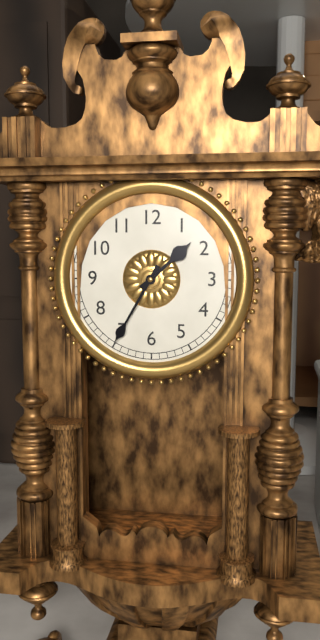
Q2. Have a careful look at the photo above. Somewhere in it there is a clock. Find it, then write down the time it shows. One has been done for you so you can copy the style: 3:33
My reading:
1:35
